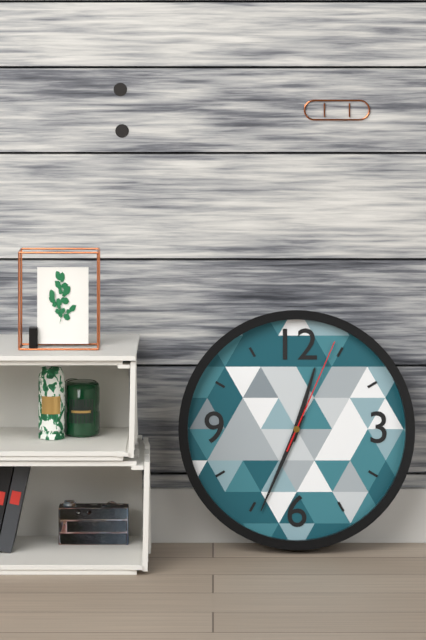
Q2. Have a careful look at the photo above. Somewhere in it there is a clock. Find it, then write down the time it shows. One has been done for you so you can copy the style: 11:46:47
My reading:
12:34:04
